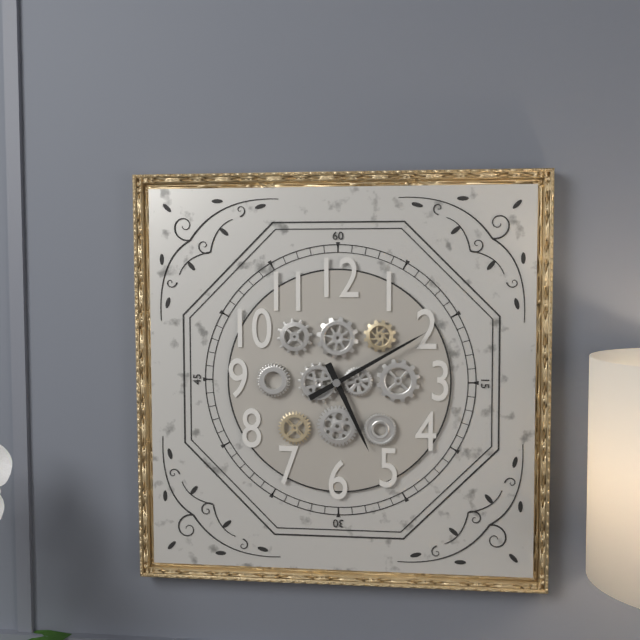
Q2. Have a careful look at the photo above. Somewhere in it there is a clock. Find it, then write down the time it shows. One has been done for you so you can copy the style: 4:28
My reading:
5:10
